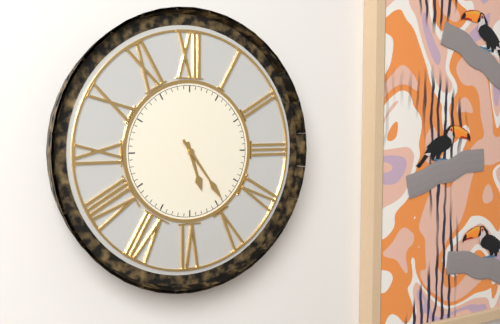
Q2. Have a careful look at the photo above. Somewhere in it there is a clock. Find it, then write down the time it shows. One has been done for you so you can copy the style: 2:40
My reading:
5:24
